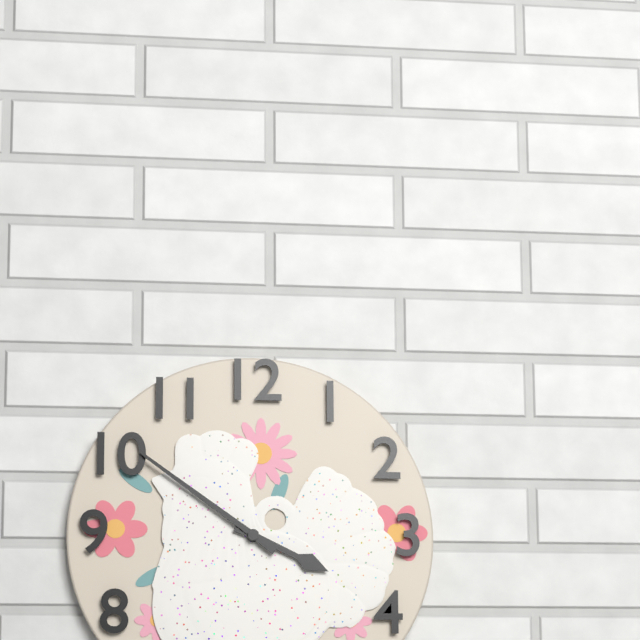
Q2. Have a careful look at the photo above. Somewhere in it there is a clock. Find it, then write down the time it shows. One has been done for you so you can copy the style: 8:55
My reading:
3:51
